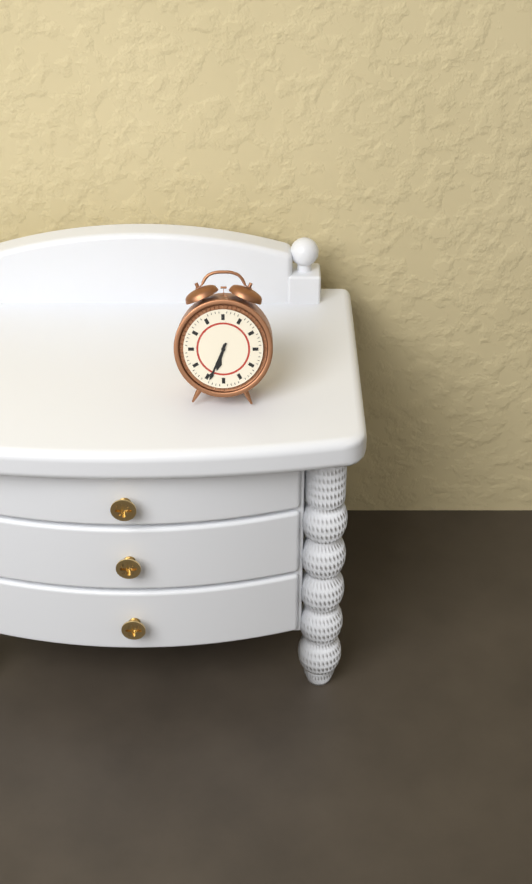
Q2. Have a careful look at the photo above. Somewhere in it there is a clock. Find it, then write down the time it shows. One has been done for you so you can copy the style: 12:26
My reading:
6:34
